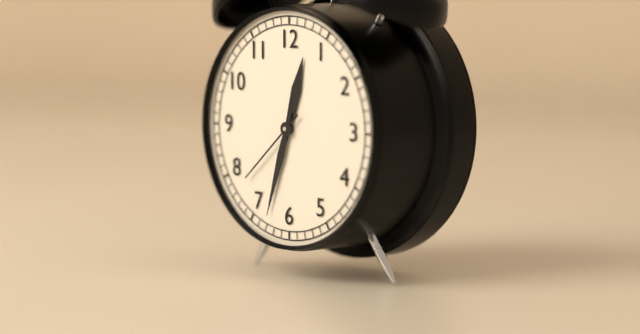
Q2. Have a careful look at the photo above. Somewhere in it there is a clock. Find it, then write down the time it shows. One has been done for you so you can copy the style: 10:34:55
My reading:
12:33:38
